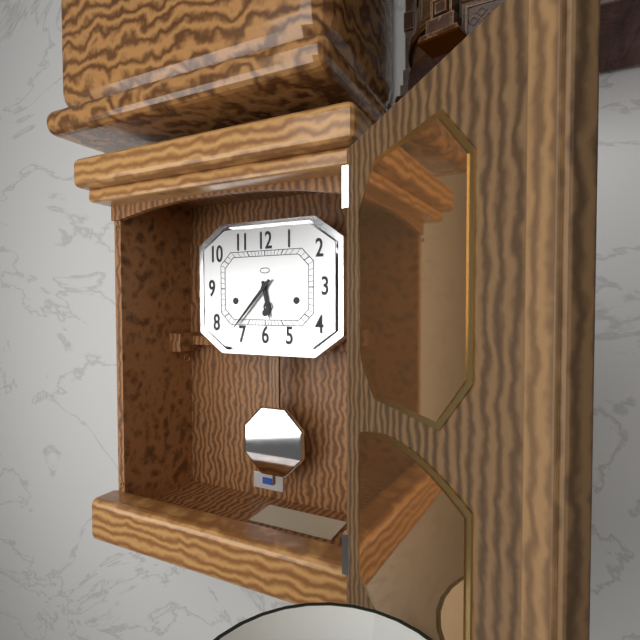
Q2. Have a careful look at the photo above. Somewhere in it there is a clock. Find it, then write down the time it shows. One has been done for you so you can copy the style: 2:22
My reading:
5:37
